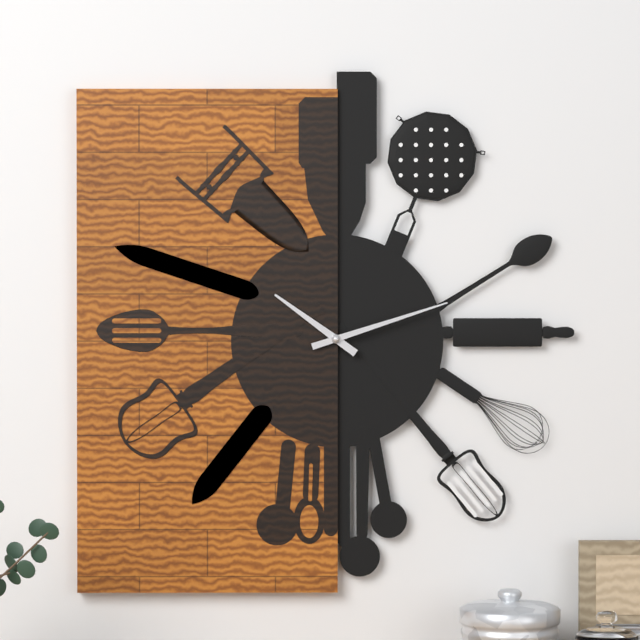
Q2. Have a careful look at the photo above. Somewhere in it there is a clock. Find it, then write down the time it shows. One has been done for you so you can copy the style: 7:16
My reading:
10:12
